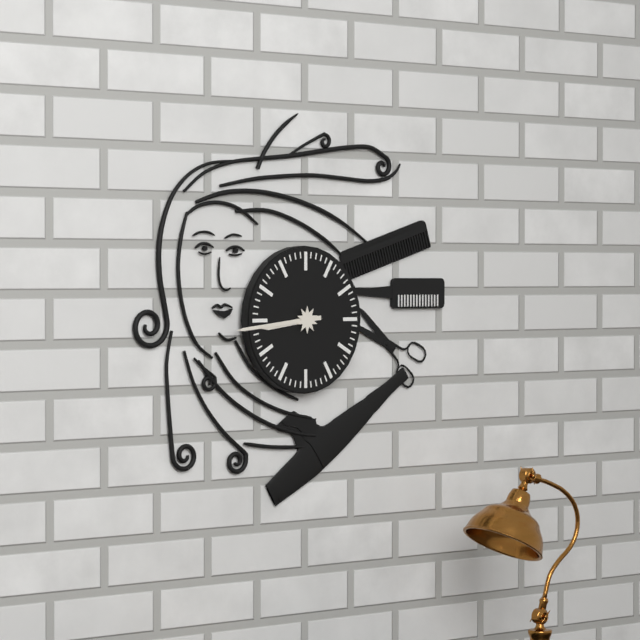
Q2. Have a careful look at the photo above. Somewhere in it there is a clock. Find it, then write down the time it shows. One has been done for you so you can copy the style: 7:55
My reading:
8:44
